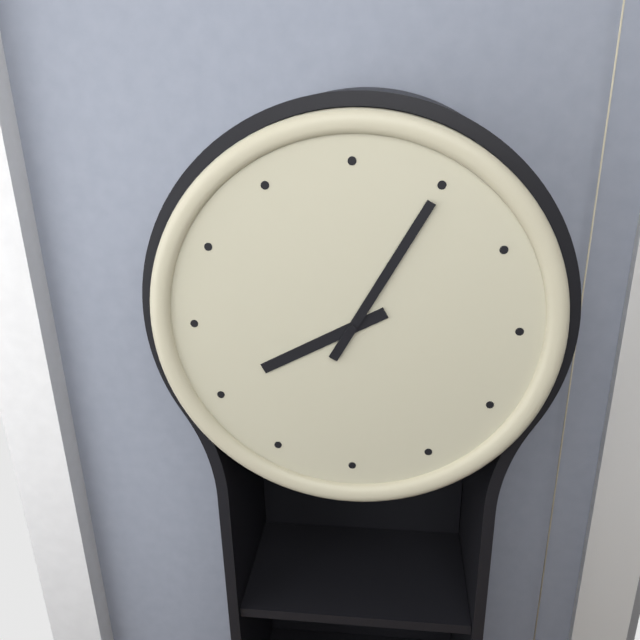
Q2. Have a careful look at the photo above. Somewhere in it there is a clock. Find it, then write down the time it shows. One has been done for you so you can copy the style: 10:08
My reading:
8:05
